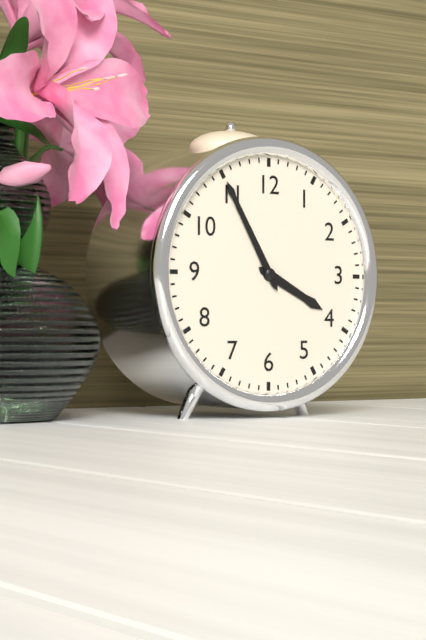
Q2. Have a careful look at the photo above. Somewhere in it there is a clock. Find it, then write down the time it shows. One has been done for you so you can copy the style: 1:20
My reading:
3:55
